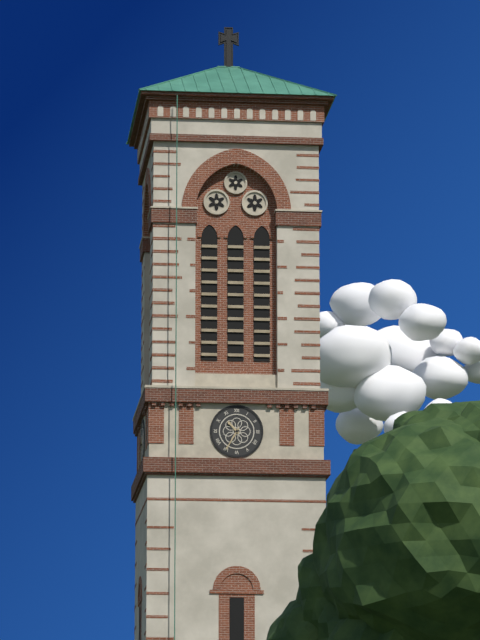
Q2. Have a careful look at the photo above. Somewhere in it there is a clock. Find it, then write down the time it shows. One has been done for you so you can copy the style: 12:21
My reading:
10:35
